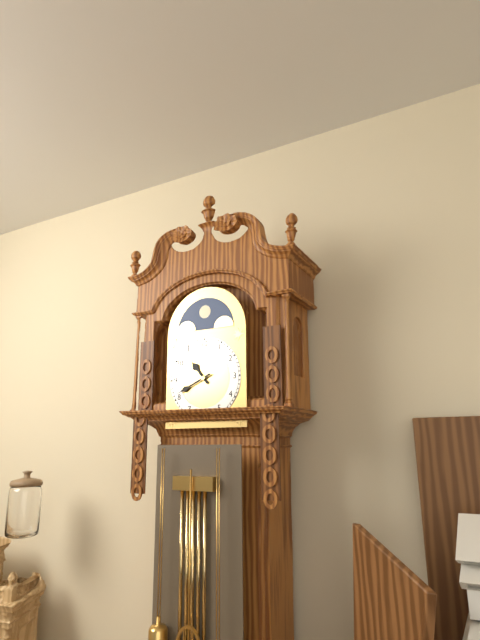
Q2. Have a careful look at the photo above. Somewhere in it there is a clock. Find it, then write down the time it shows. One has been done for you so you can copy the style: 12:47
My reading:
10:41
